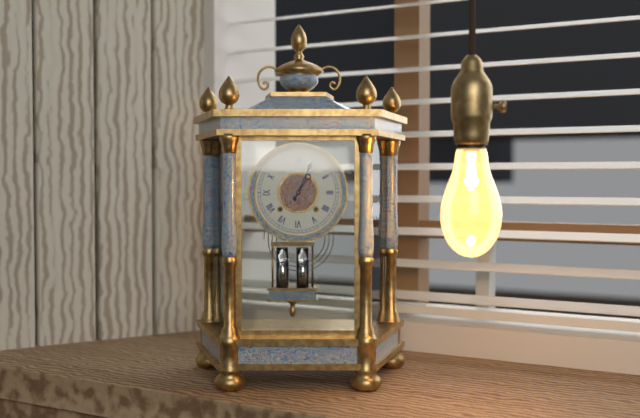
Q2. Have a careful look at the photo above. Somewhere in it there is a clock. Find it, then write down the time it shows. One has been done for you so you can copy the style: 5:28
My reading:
1:04
